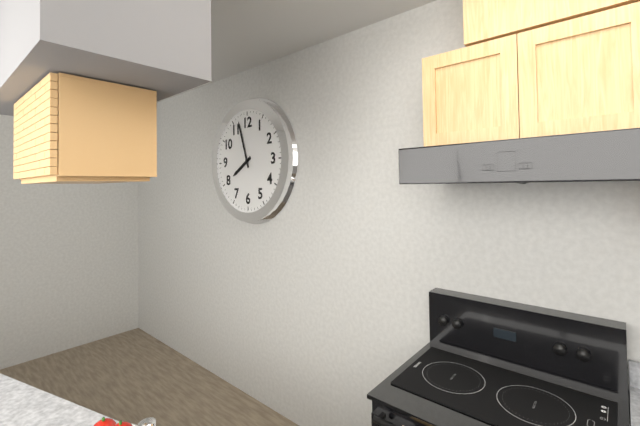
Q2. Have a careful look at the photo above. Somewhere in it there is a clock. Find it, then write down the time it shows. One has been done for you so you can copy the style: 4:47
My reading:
7:57
